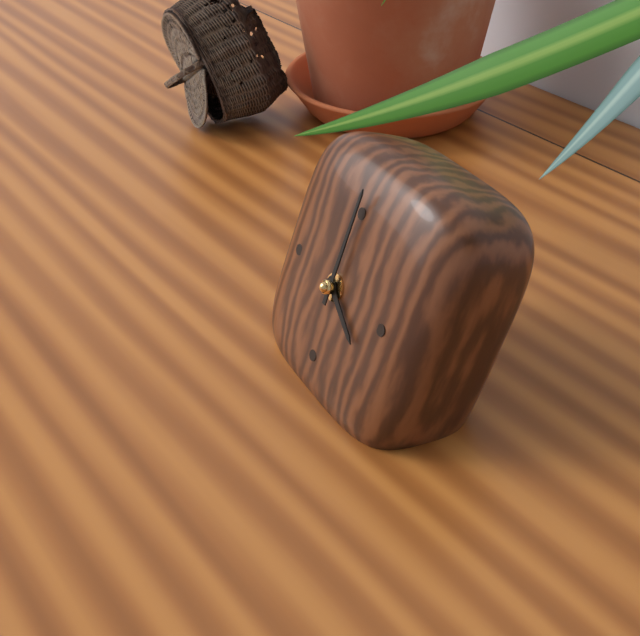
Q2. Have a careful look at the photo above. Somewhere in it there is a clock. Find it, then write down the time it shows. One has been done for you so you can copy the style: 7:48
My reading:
4:00
